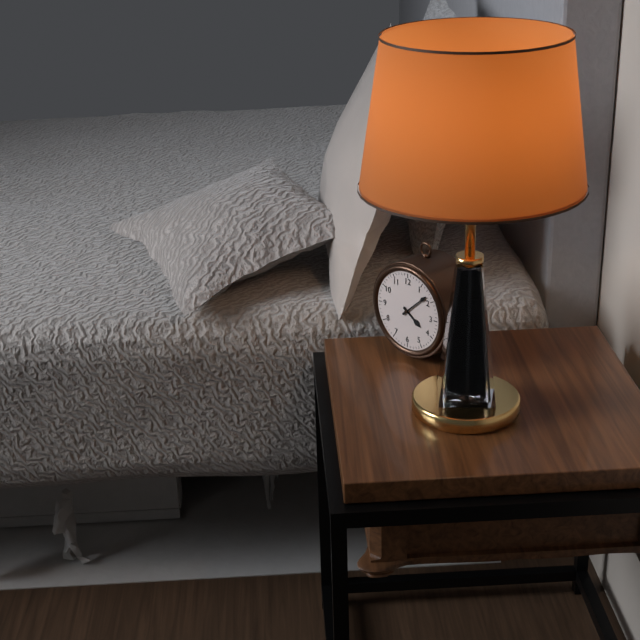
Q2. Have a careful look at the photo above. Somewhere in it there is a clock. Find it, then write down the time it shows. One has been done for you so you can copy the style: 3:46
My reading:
4:08
